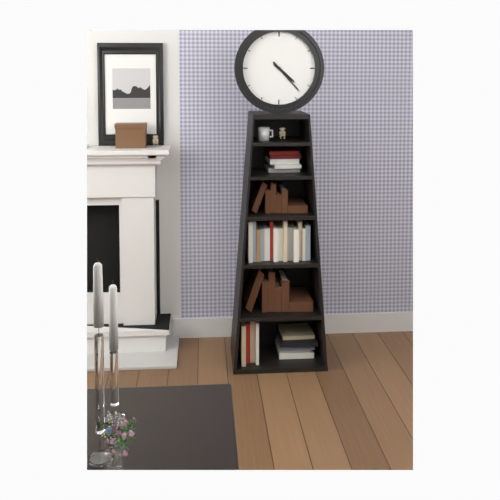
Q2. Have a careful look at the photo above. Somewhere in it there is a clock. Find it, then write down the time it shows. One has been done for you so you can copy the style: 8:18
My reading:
4:23
